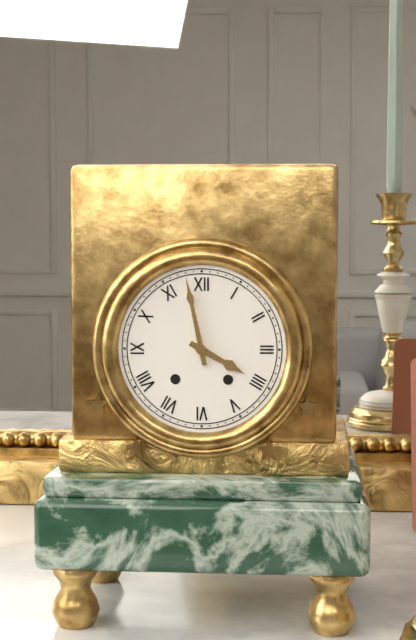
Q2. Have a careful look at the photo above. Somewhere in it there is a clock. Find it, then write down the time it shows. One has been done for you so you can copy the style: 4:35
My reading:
3:58
